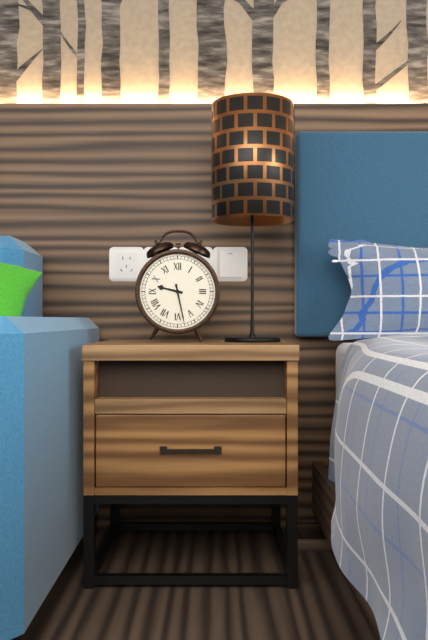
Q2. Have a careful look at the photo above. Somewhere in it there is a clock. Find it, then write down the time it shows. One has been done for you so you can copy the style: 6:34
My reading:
9:28
